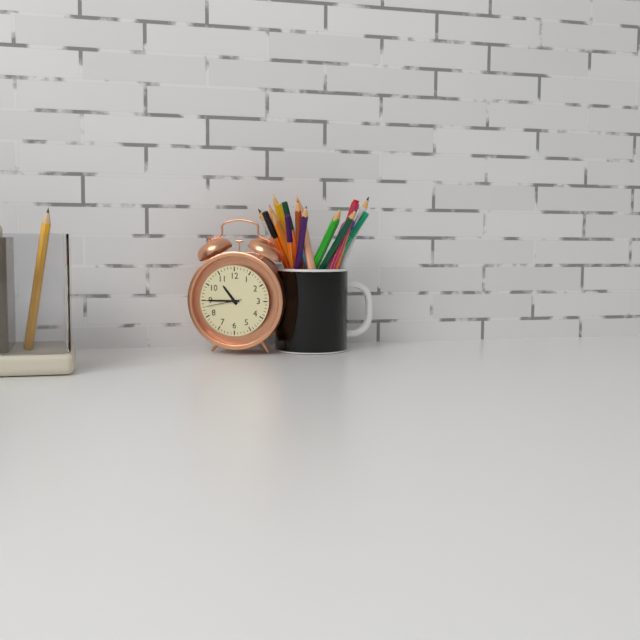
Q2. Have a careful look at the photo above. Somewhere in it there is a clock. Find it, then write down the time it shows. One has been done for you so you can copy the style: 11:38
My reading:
10:45
